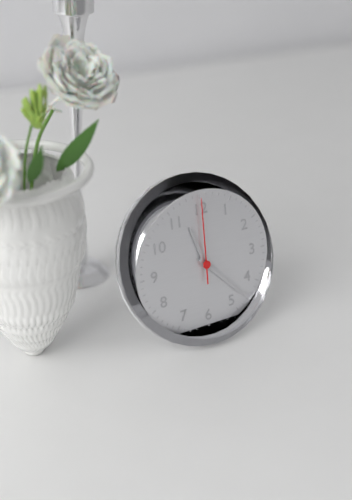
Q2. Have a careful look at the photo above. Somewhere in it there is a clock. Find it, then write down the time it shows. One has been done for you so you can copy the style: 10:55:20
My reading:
11:23:00
